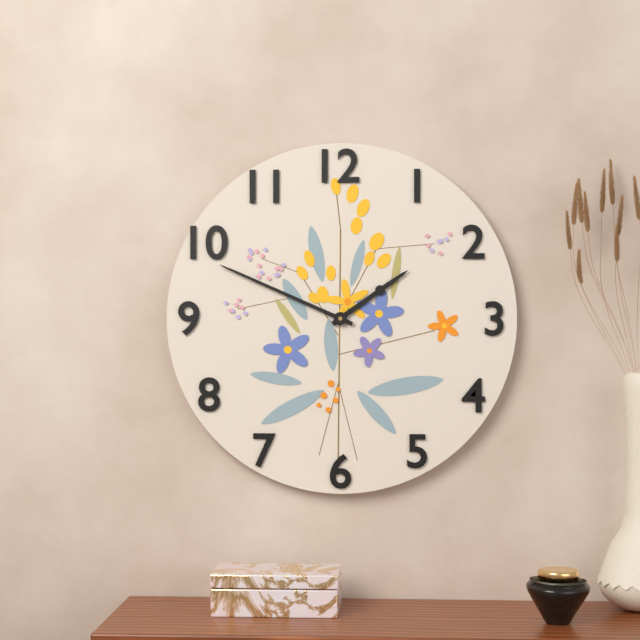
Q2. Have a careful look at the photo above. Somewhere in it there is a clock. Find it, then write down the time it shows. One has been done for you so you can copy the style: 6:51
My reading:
1:49
